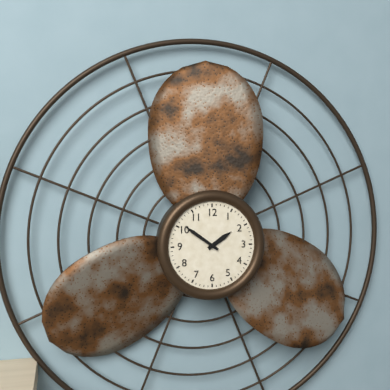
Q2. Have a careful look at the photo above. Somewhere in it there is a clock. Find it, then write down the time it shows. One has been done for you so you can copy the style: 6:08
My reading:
1:51
